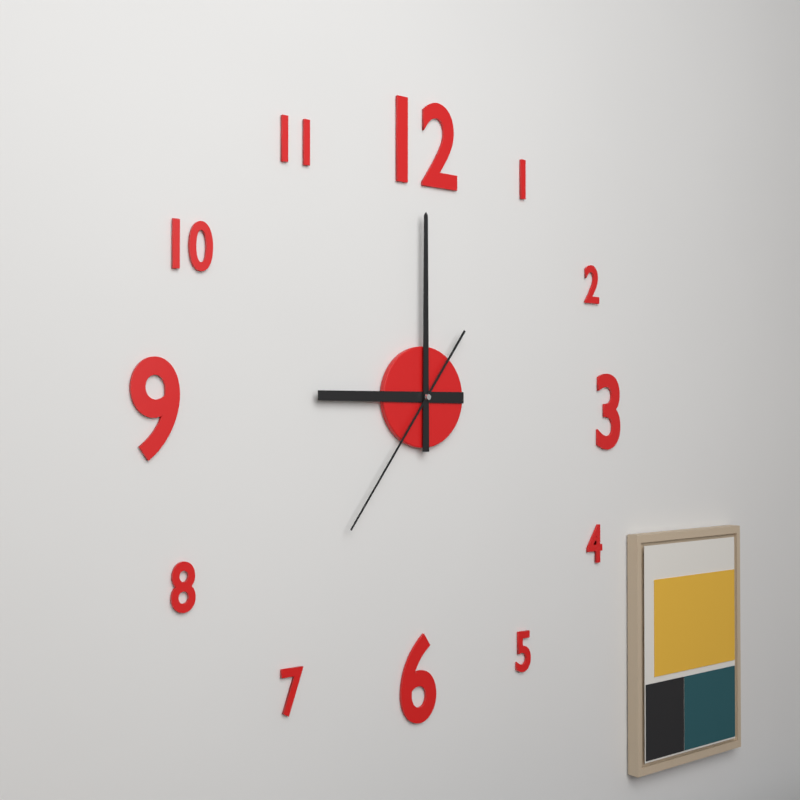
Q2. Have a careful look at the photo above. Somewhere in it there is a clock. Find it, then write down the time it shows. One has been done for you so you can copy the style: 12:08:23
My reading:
9:00:36
